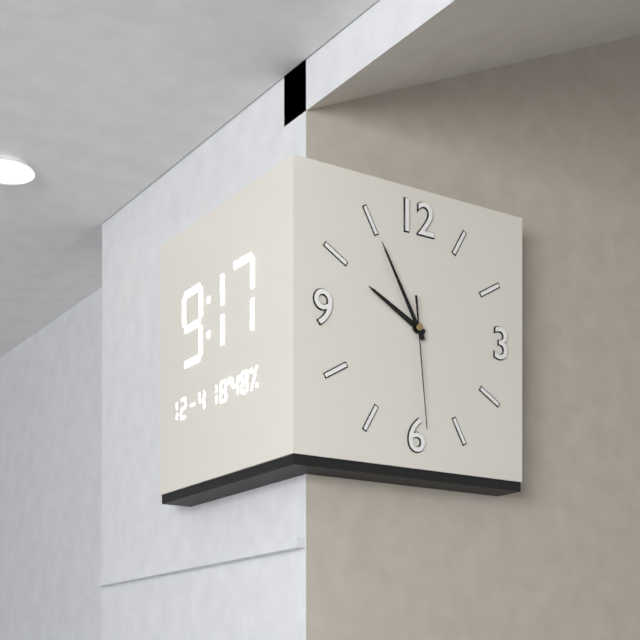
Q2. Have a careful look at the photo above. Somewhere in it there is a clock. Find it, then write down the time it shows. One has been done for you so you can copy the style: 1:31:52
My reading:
9:55:29
